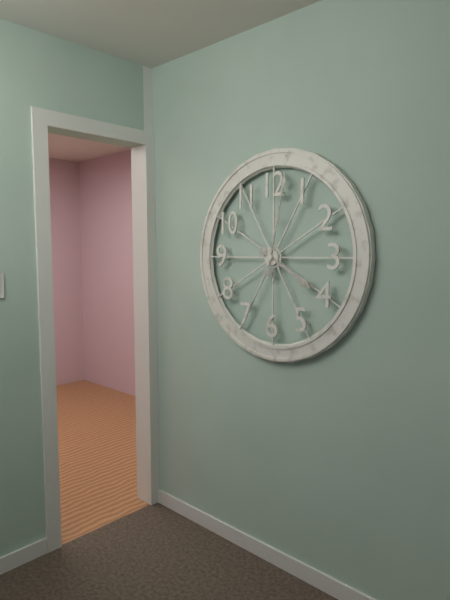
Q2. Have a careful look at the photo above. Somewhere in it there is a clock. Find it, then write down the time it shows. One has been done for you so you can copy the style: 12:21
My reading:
4:02
